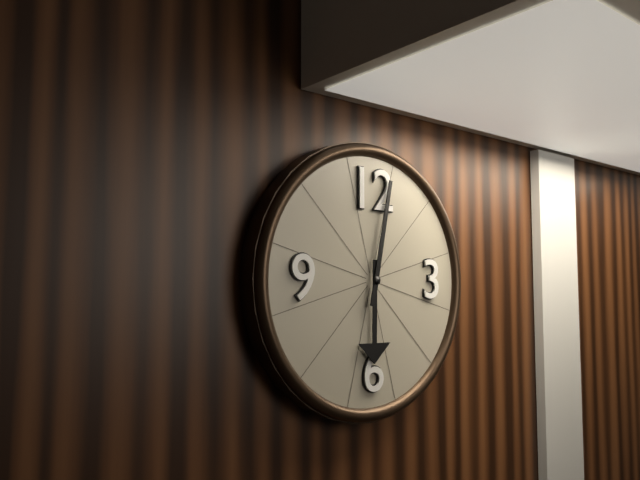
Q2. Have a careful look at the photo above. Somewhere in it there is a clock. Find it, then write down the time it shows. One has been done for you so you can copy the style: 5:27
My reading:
6:02
